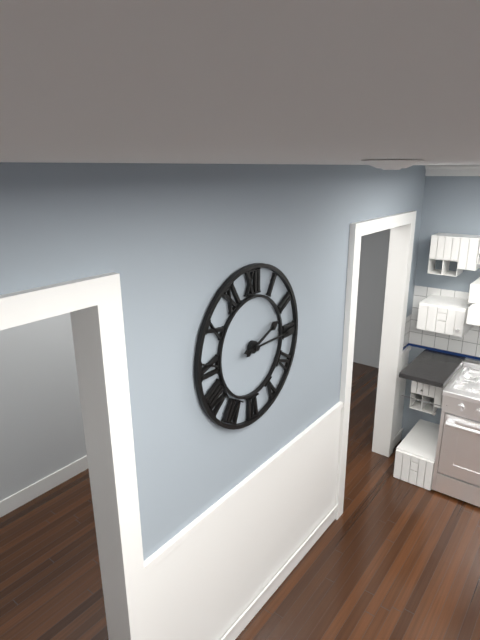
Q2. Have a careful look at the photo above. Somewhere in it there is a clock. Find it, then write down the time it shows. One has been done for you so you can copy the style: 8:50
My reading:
2:15
